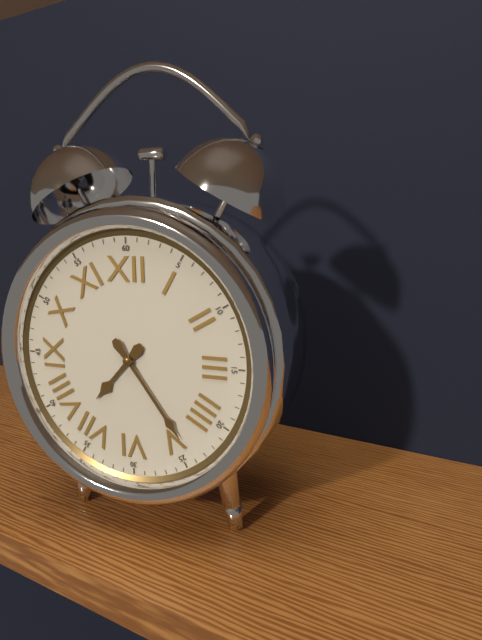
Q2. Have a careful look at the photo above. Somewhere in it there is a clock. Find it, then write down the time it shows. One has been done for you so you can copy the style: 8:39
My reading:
7:24
